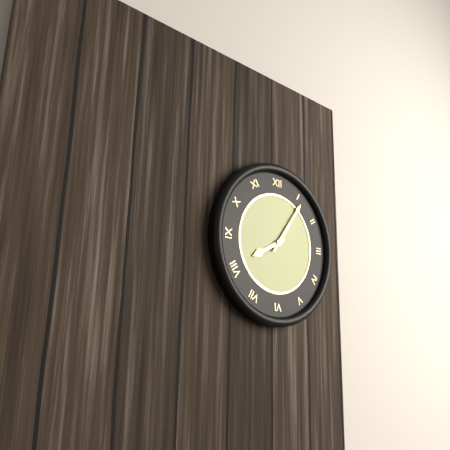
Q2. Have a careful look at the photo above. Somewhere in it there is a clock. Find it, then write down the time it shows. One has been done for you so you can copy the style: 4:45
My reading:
8:06
